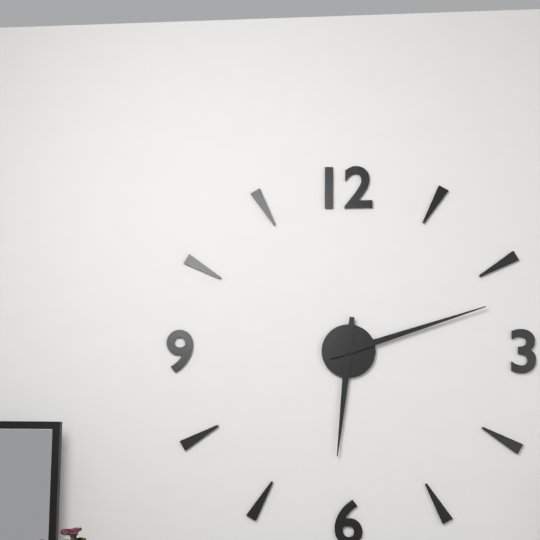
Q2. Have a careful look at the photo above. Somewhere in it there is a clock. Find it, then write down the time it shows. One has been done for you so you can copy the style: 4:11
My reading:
6:12
